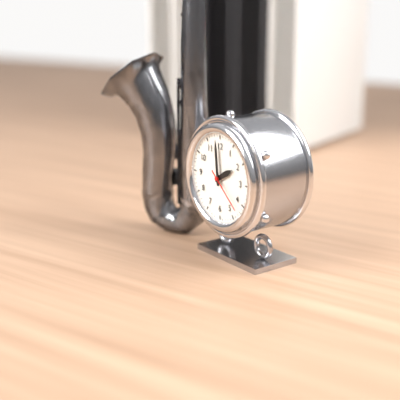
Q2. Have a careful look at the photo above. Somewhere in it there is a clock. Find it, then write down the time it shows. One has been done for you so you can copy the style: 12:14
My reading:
1:59
